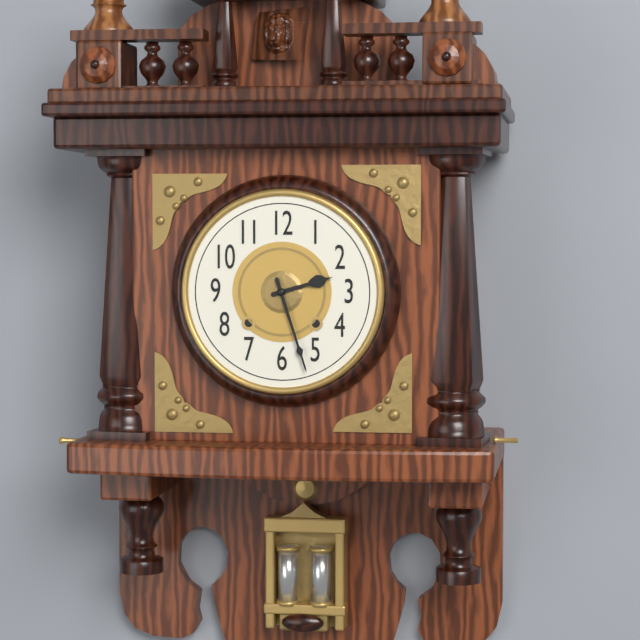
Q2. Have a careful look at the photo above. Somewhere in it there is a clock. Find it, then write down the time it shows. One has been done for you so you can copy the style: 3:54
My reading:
2:27
